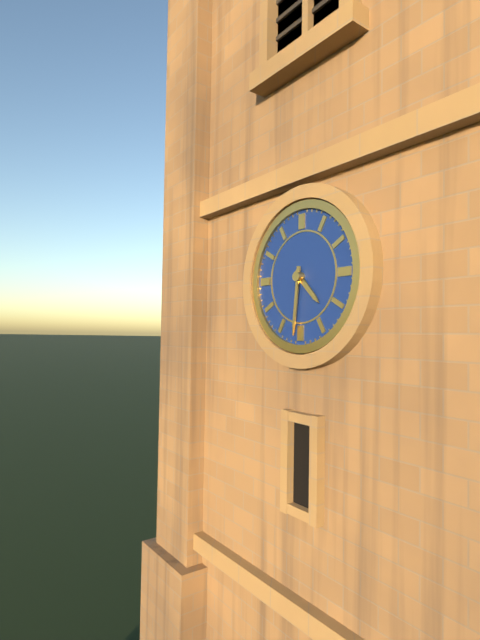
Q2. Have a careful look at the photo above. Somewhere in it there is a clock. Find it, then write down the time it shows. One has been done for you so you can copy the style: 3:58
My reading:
4:31
